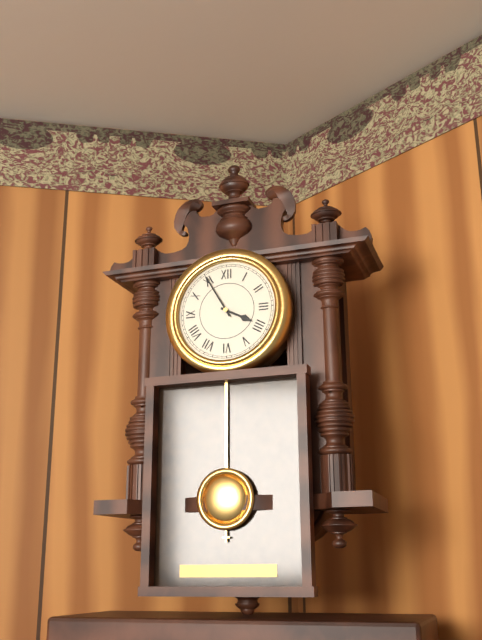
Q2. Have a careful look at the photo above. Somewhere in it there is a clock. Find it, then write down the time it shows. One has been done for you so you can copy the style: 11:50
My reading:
3:55
